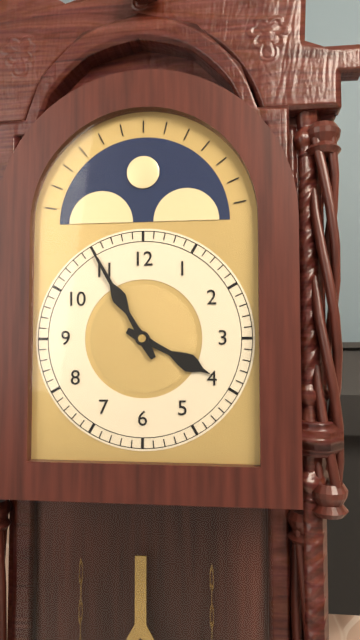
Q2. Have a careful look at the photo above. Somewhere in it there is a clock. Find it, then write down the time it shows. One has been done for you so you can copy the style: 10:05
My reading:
3:55
